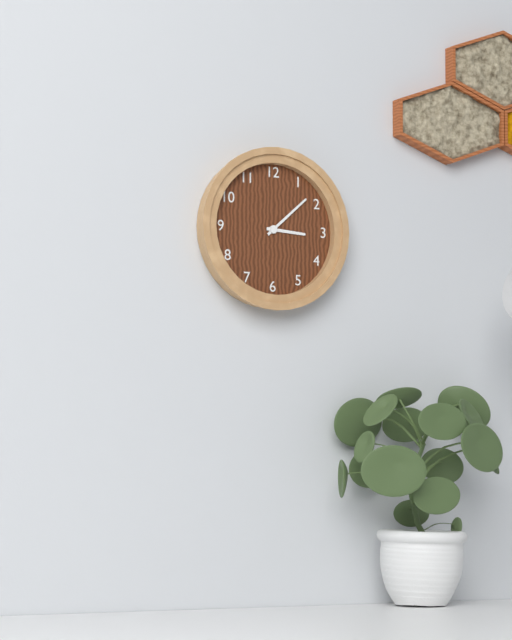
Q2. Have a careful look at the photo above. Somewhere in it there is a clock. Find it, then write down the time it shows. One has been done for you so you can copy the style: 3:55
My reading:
3:08
